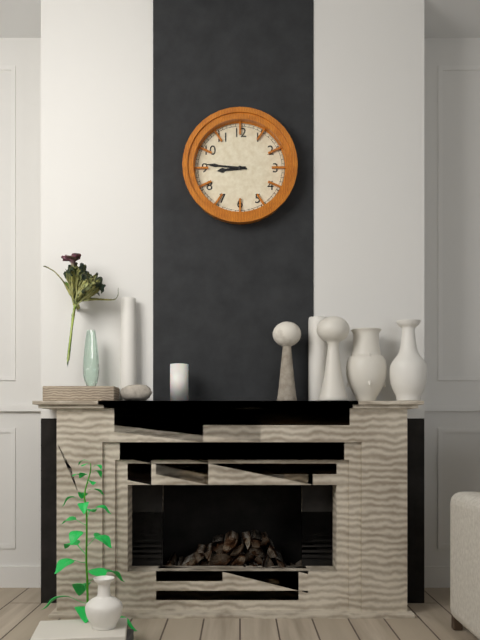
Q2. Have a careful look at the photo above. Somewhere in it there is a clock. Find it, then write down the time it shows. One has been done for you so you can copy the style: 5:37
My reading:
8:46
